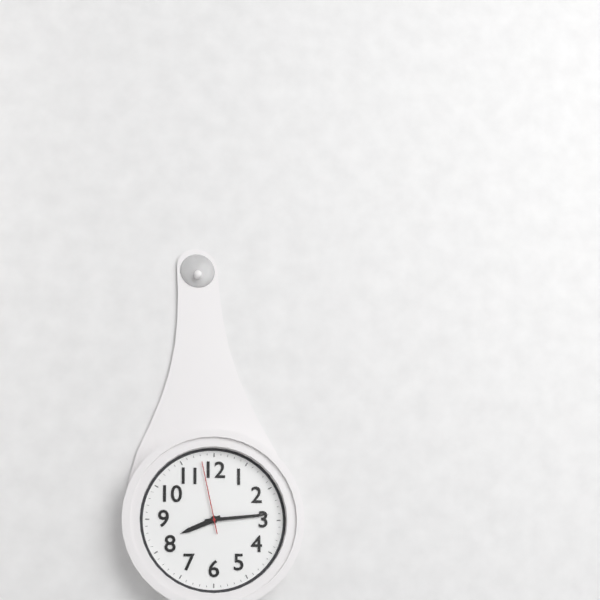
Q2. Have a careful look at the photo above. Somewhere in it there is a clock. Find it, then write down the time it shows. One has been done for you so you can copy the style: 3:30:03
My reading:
8:14:58
